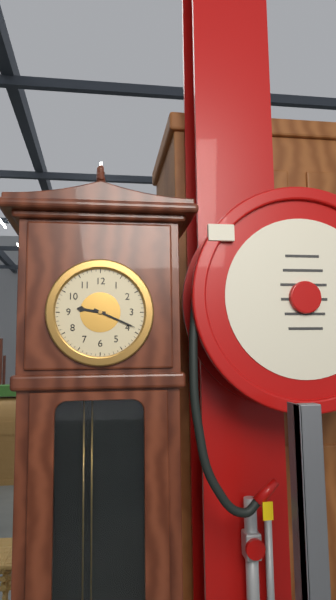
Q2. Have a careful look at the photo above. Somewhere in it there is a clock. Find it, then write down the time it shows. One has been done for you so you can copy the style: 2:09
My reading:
9:19
